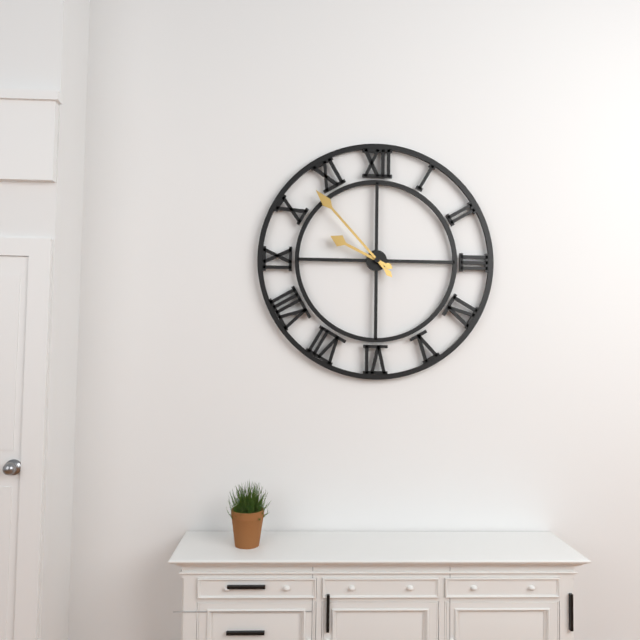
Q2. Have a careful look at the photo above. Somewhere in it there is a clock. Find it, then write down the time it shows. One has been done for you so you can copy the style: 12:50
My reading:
9:53
